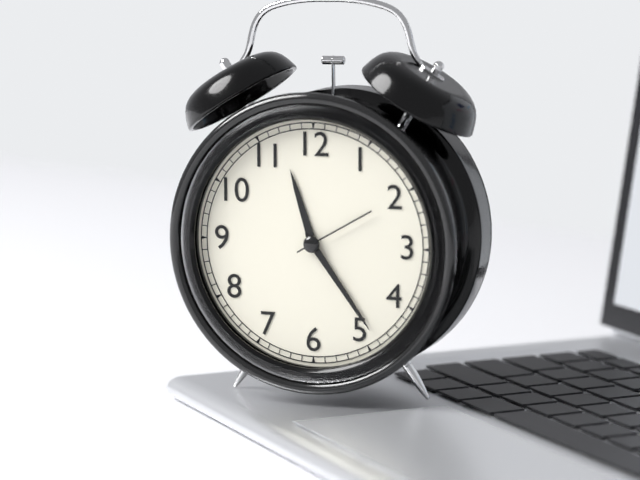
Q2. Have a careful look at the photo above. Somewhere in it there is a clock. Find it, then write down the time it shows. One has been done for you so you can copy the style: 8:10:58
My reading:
11:24:10
